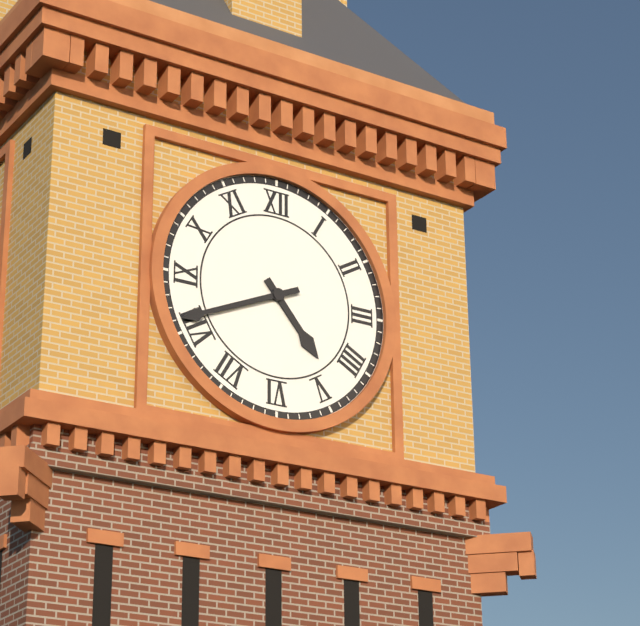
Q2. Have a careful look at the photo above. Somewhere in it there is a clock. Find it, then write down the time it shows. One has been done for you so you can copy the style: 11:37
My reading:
4:41
